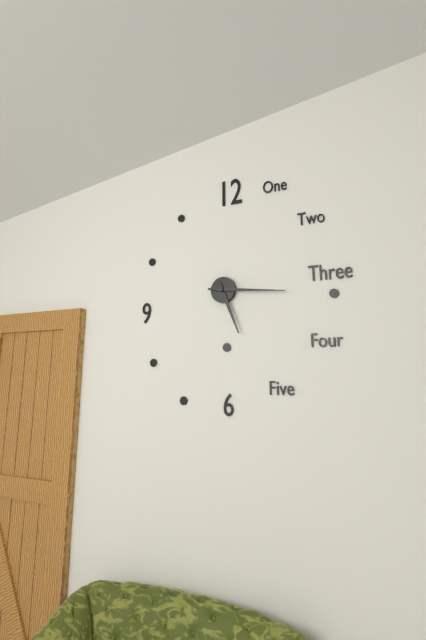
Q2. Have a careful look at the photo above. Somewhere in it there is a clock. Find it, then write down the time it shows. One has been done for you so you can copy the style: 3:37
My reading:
5:16
